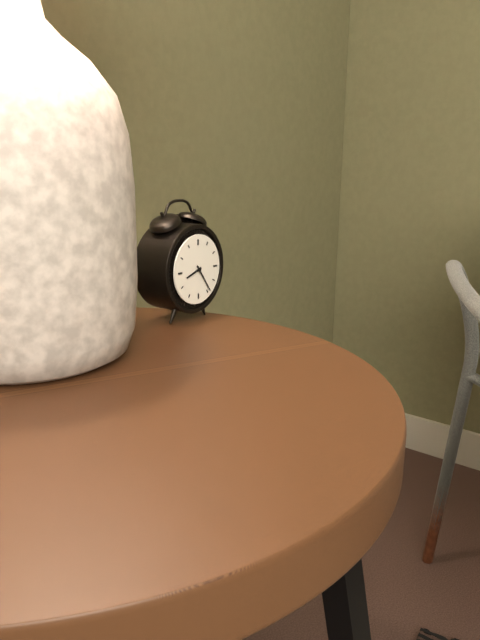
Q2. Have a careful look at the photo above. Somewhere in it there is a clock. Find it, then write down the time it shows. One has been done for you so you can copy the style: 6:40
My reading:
8:24
